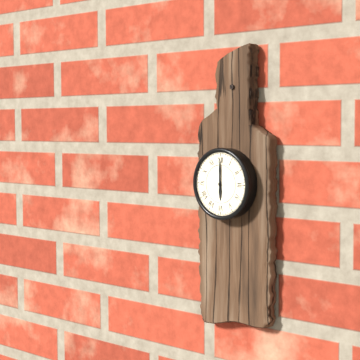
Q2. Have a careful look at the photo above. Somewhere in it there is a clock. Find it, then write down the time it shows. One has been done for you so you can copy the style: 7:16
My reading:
6:00
